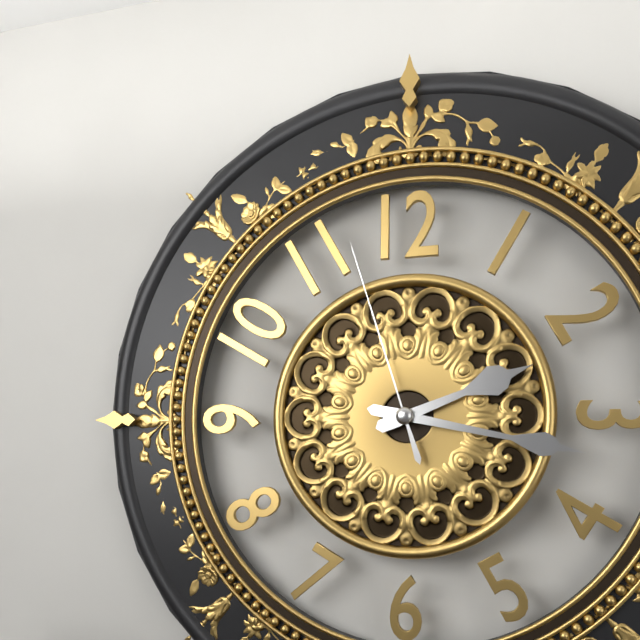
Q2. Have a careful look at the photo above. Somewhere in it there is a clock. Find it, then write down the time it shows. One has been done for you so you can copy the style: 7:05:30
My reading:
2:17:57
